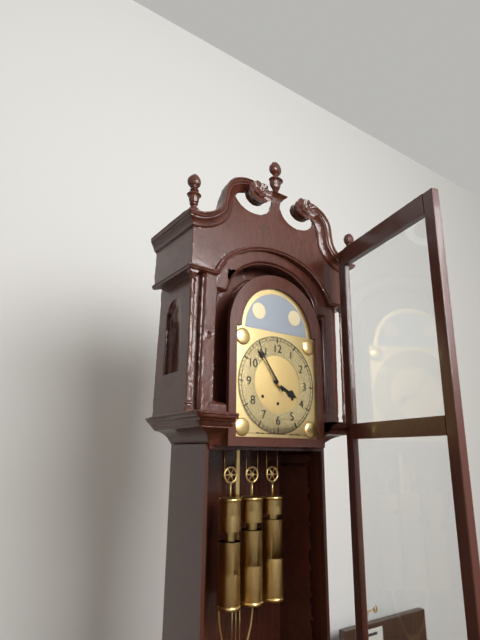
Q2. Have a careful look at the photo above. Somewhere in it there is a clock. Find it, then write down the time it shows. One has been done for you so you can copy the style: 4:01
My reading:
3:54
